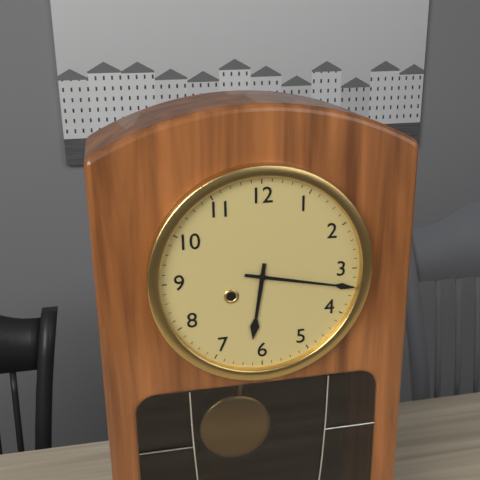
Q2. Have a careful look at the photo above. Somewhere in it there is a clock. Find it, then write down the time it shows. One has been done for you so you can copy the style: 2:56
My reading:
6:17
